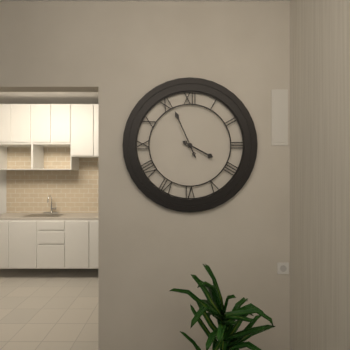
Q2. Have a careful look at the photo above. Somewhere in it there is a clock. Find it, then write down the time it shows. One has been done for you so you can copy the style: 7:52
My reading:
3:56
